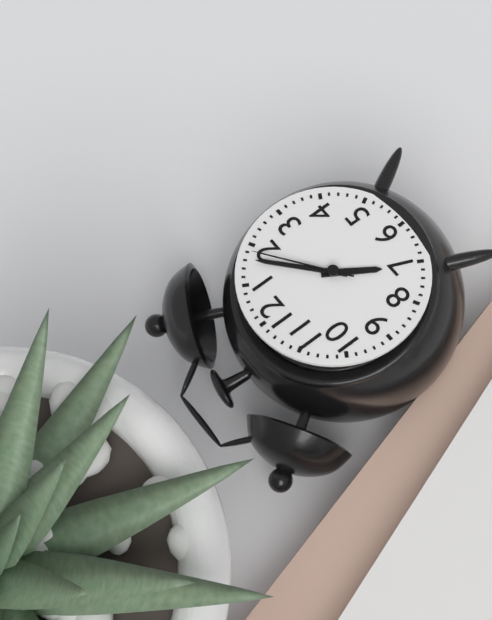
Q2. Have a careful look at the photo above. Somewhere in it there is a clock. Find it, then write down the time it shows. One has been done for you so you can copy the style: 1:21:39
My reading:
7:08:09
